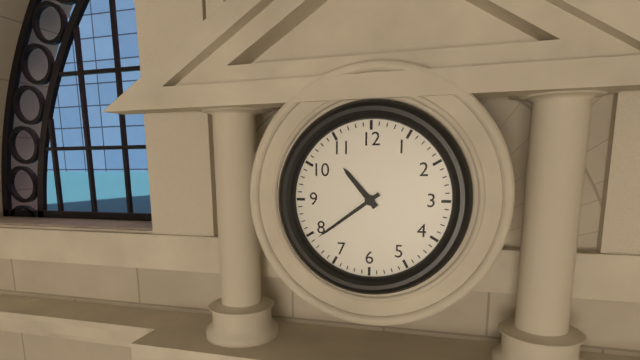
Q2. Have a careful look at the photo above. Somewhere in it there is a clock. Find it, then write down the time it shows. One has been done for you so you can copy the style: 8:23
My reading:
10:39
